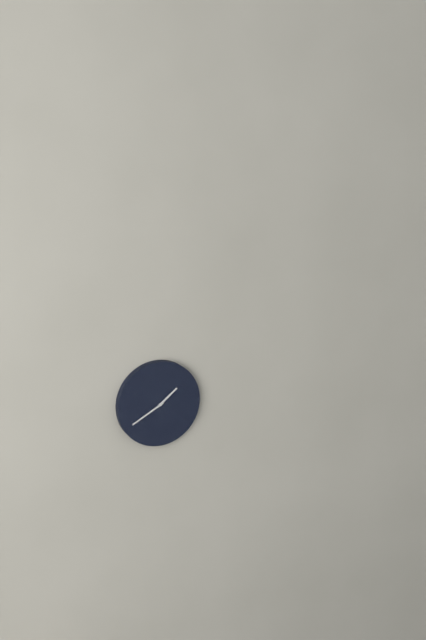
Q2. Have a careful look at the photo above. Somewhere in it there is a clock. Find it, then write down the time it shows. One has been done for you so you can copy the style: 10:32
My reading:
1:40
